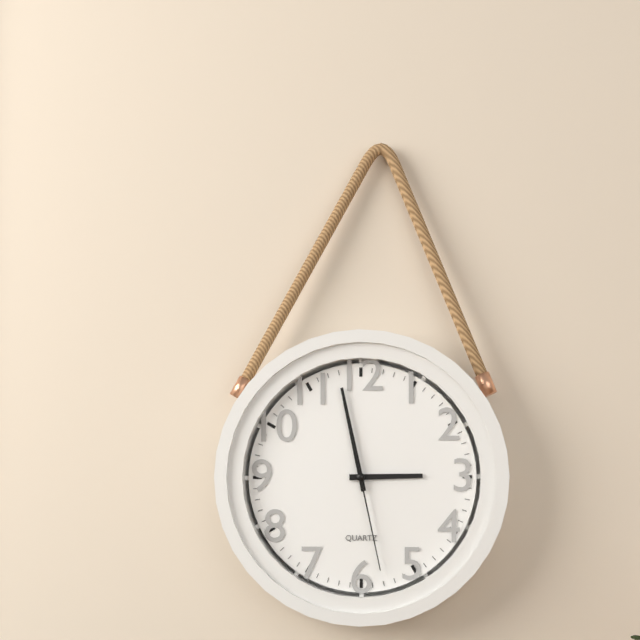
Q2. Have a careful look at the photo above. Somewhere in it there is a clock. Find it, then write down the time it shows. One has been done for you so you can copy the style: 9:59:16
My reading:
2:58:28
